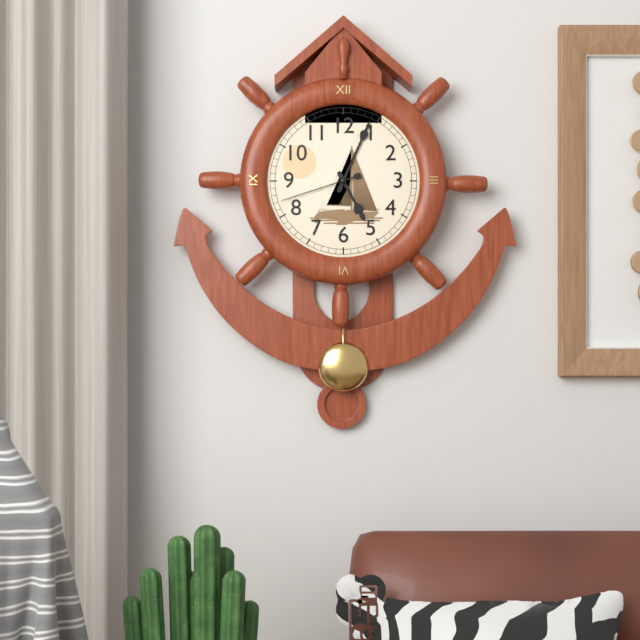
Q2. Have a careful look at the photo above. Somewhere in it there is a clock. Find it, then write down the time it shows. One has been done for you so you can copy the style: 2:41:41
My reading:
5:04:42
